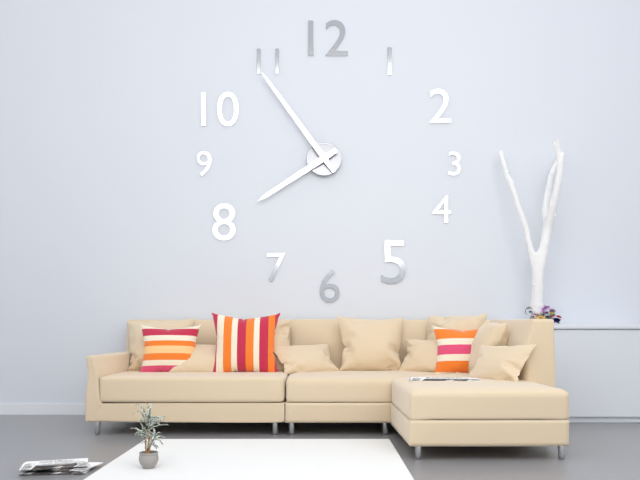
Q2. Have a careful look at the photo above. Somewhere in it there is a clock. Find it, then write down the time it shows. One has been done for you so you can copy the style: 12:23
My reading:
7:54
